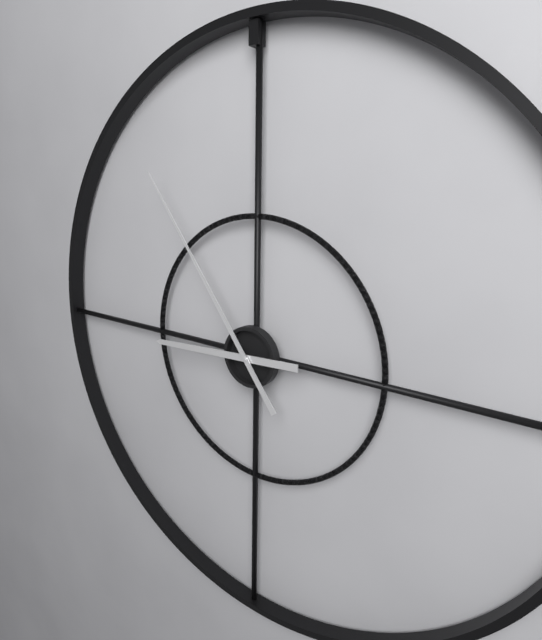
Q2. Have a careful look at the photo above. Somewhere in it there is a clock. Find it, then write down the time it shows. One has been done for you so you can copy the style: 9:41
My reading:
8:54
